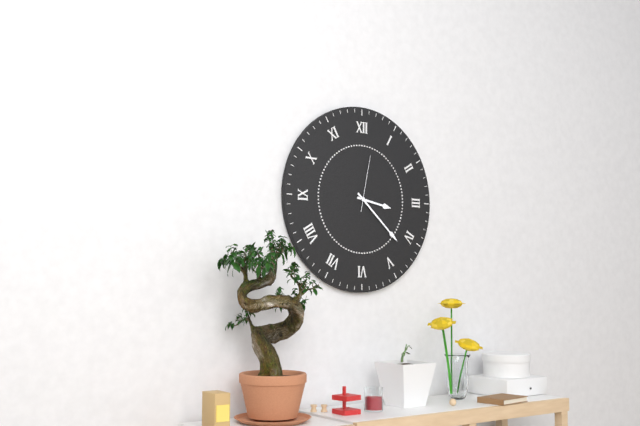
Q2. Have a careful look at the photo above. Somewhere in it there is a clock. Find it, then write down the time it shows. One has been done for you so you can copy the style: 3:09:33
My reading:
3:22:02
